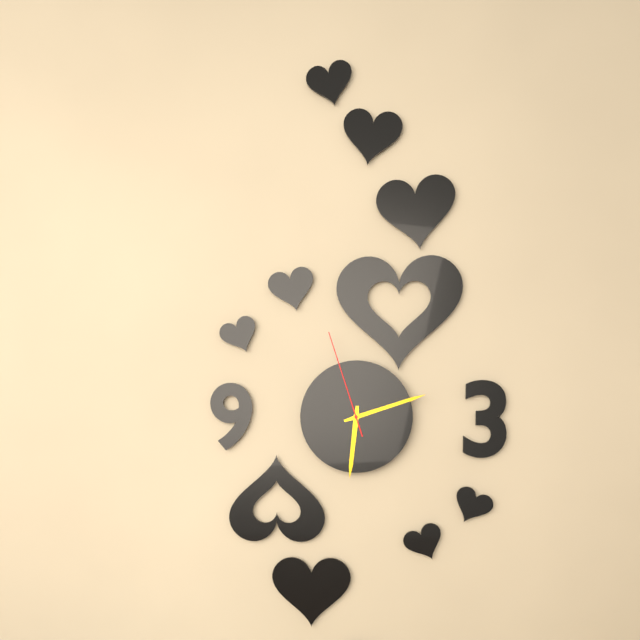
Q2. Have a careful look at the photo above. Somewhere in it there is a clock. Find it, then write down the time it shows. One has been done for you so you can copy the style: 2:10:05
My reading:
6:12:57
